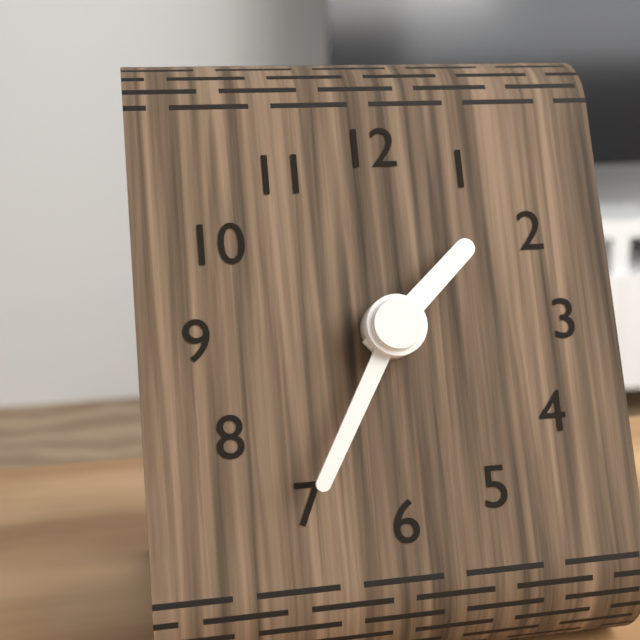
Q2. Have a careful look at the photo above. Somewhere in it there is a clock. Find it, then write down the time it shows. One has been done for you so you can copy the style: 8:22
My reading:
1:35
